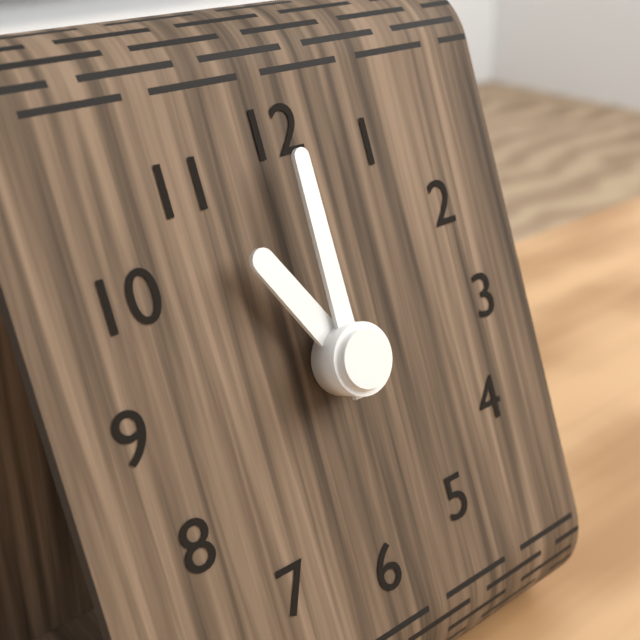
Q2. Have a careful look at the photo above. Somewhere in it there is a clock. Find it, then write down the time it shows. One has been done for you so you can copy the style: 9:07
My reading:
11:00
